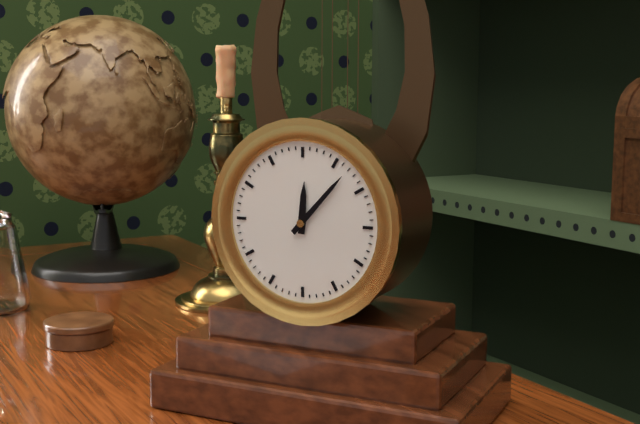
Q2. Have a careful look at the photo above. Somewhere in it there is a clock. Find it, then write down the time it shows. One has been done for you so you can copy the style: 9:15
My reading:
12:07
